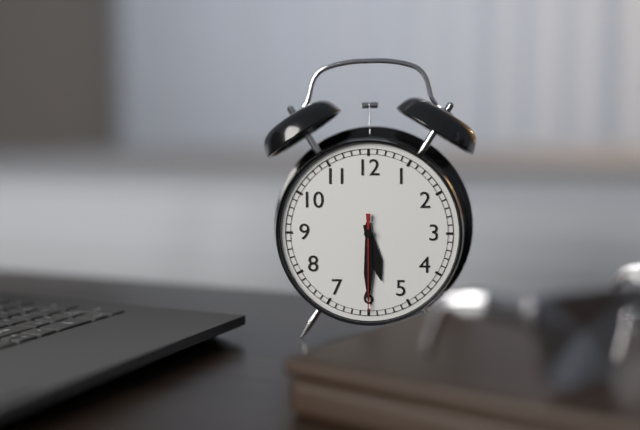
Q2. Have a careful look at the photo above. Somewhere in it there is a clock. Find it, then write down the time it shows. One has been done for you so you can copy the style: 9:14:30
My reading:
5:30:30
